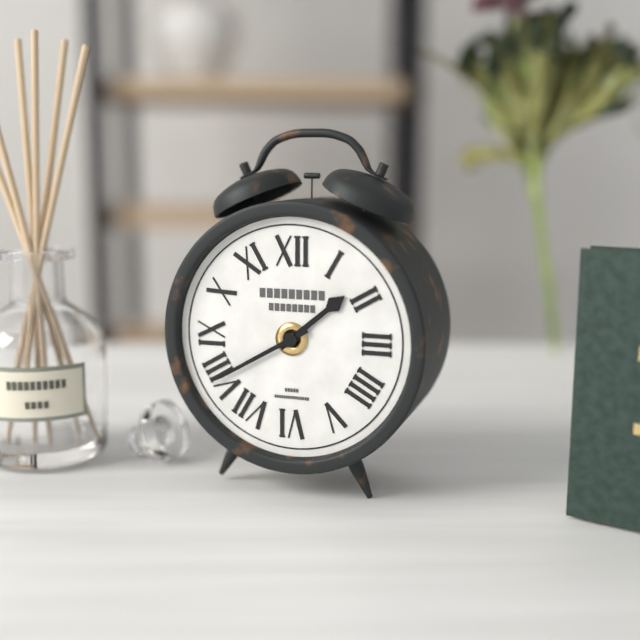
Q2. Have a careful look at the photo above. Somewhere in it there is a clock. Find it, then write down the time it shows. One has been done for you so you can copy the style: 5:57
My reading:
1:40
